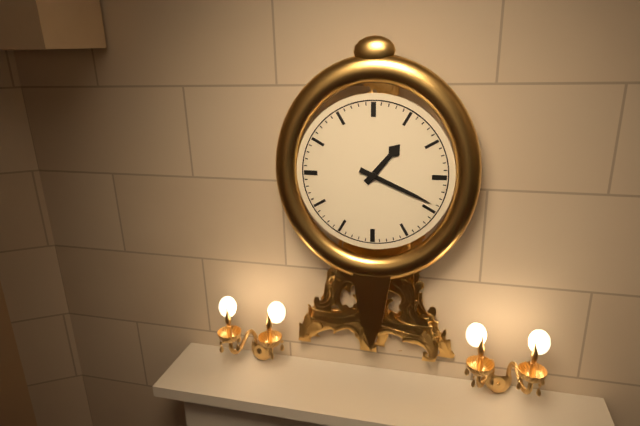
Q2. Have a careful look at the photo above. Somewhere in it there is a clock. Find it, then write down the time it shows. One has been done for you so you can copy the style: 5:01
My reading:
1:19
